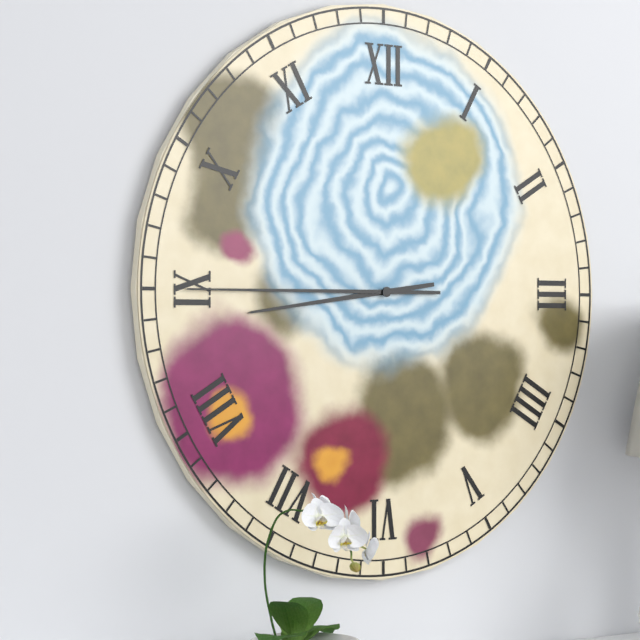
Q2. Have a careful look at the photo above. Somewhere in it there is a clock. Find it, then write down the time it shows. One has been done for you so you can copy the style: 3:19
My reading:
8:45
